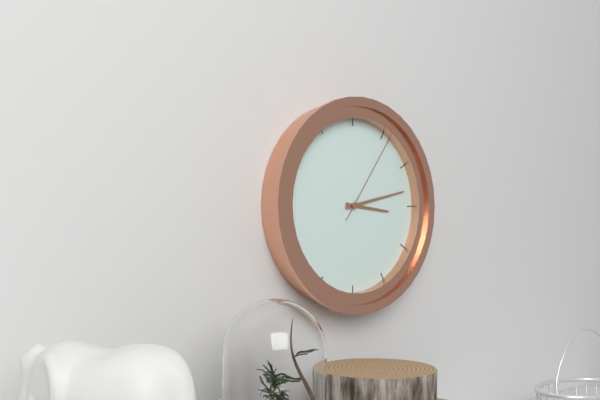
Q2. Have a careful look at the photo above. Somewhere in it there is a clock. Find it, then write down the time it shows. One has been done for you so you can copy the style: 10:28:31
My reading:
3:13:06
